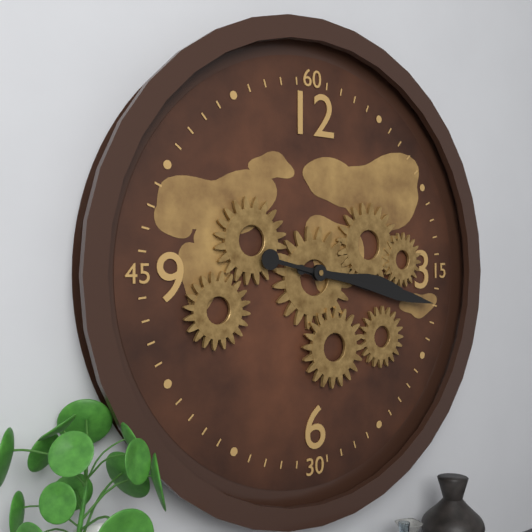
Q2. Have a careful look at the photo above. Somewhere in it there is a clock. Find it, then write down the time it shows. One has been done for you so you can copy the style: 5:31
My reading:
3:17
